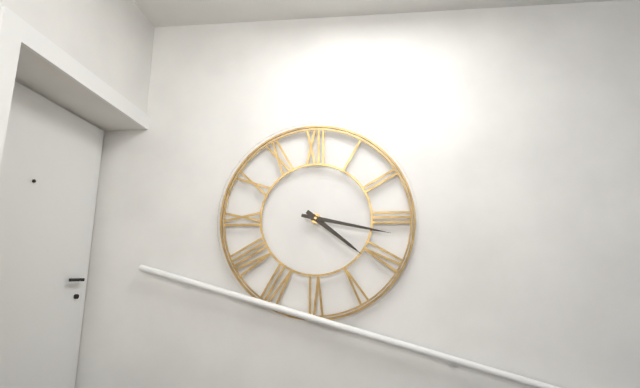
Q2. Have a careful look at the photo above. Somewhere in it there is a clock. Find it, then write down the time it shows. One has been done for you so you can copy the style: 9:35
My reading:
4:17
